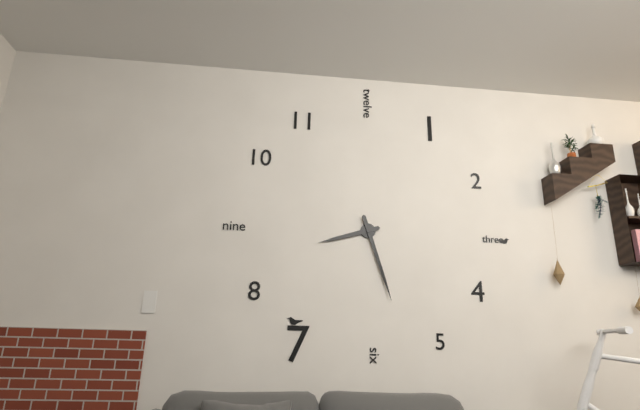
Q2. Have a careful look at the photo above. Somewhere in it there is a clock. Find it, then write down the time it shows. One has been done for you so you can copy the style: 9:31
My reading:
8:27
